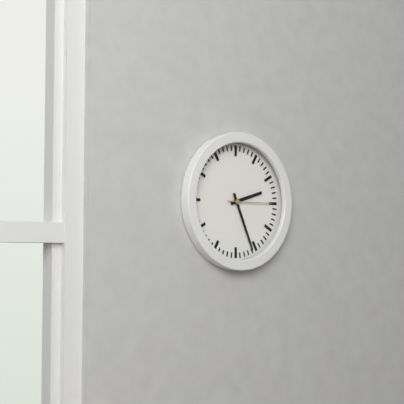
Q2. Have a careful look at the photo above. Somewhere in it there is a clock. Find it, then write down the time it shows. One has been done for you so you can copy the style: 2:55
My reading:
2:26
